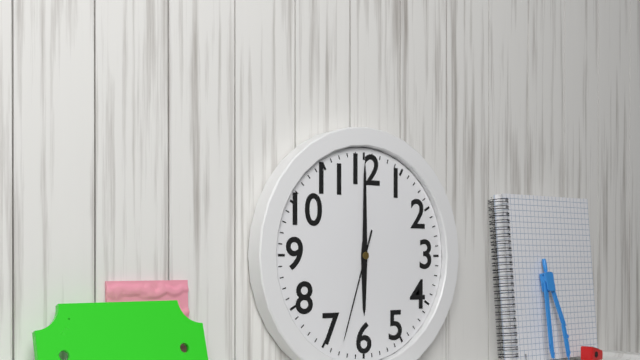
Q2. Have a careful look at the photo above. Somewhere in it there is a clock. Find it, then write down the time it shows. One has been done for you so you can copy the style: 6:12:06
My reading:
6:00:33
